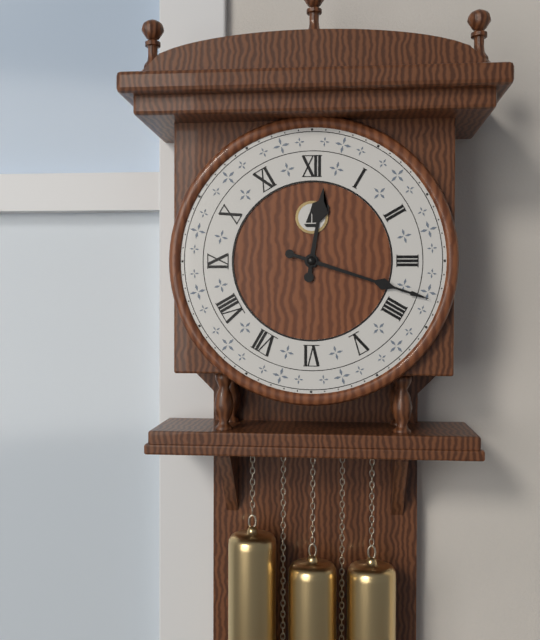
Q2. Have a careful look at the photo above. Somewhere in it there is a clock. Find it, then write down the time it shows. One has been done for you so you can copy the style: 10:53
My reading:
12:18
